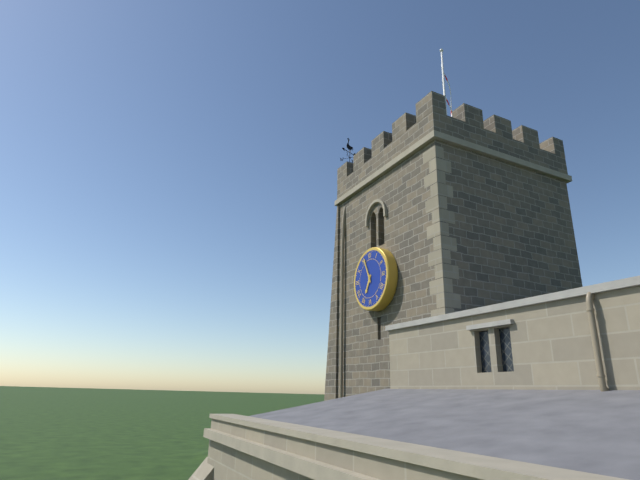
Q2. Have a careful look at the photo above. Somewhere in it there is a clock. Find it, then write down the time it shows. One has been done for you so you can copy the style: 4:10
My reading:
6:56
